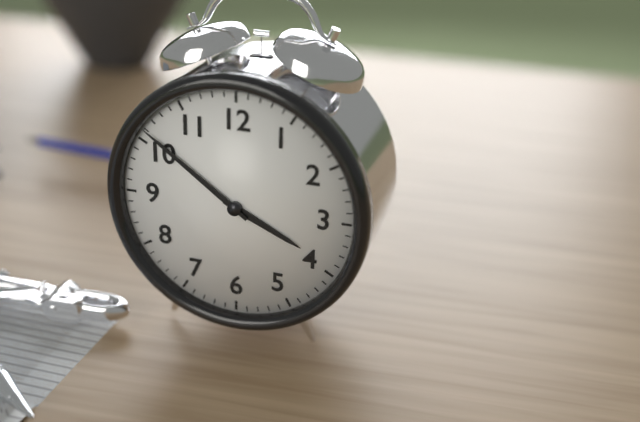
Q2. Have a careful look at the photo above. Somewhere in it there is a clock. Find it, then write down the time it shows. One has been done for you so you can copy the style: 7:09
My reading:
3:51
